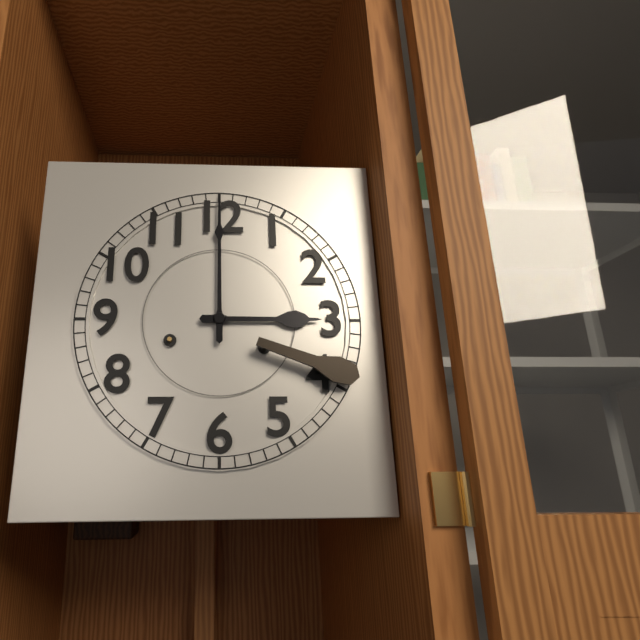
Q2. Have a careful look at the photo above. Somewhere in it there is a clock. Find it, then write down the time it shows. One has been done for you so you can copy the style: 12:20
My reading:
3:00
